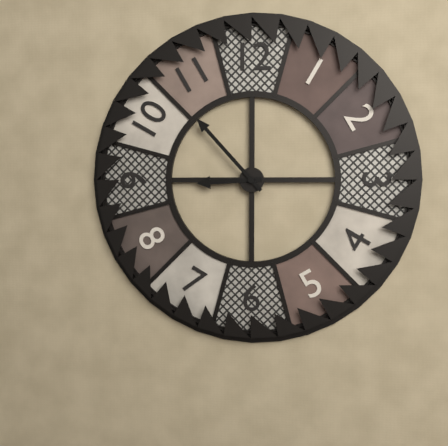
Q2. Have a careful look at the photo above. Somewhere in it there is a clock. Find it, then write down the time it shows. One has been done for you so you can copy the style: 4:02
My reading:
8:53
